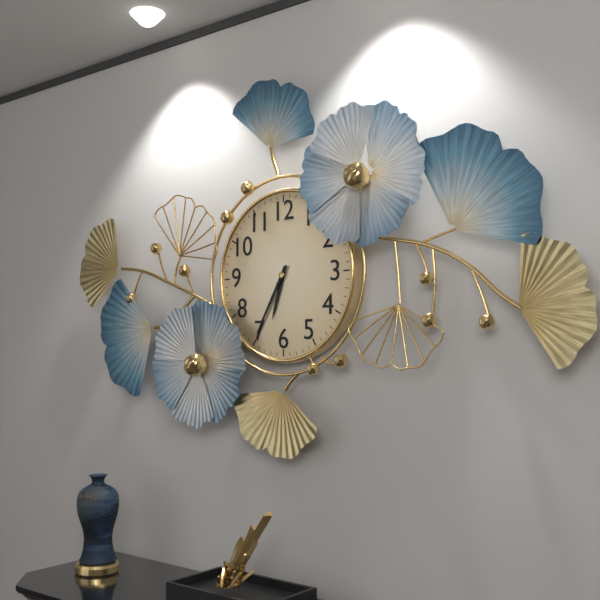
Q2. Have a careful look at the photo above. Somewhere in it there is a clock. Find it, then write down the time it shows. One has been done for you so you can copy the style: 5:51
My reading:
6:35
